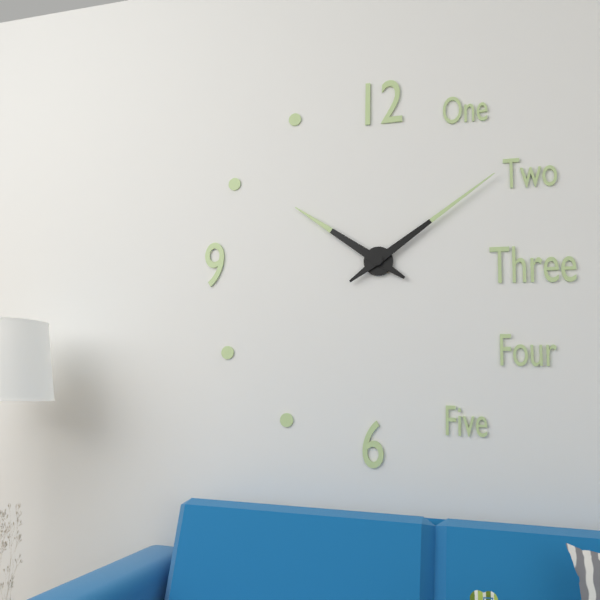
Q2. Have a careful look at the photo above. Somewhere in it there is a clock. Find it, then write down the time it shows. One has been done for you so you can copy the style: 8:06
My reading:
10:09
